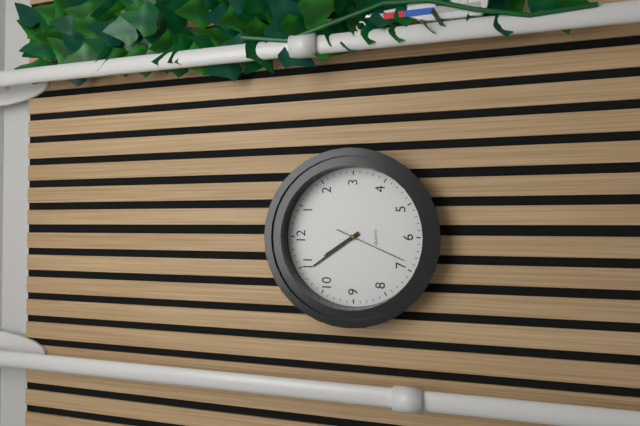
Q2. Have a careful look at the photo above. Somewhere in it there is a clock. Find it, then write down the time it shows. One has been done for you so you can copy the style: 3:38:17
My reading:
10:54:34
